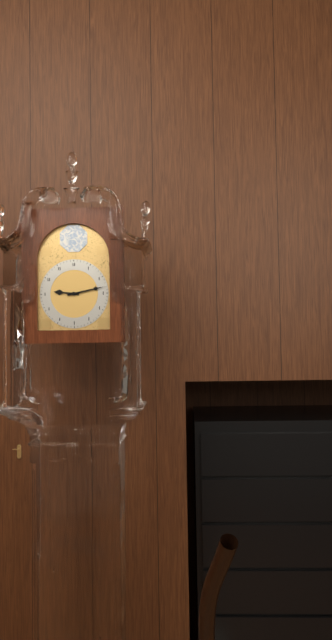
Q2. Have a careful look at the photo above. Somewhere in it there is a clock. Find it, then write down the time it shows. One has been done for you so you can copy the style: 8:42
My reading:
9:13
